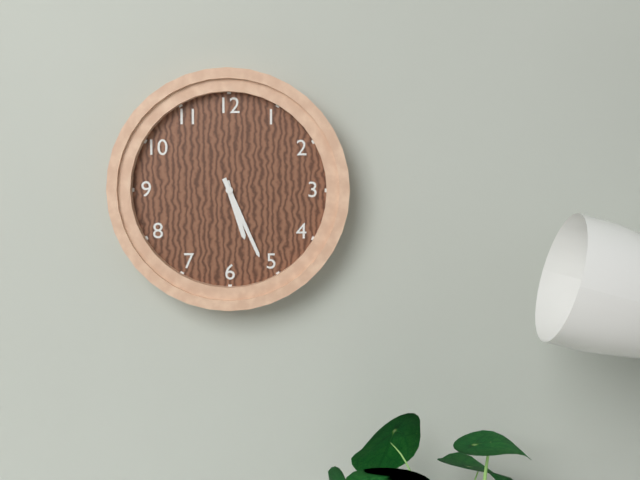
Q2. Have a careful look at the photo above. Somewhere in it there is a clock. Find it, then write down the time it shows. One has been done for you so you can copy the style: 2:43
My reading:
5:26
